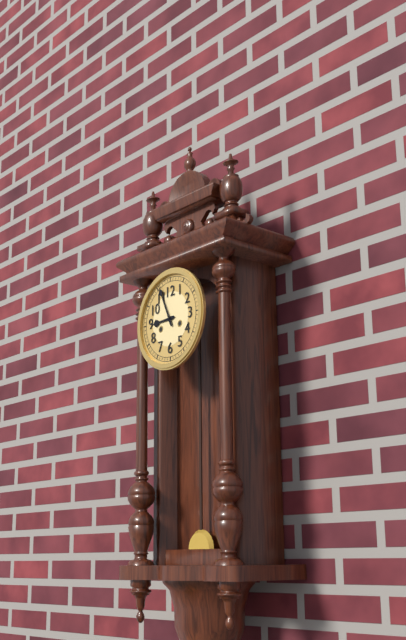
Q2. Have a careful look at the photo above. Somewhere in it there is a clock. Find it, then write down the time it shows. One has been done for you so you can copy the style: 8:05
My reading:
8:56
